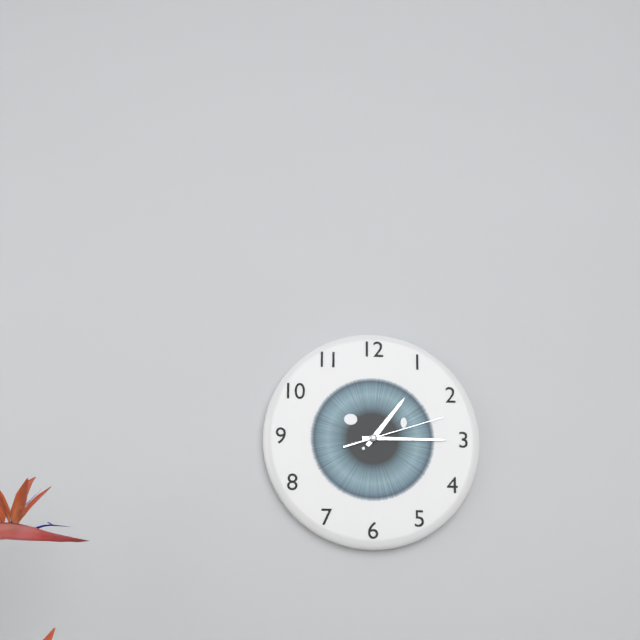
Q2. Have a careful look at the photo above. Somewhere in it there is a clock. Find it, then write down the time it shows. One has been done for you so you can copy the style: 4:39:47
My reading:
1:15:12
